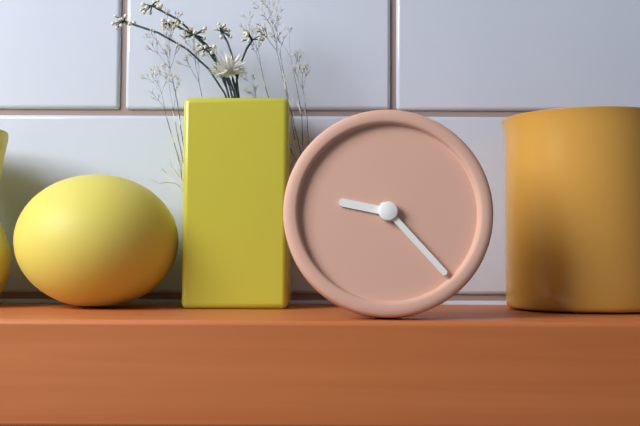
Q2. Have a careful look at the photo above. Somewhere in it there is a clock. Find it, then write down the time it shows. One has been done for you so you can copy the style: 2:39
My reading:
9:23
